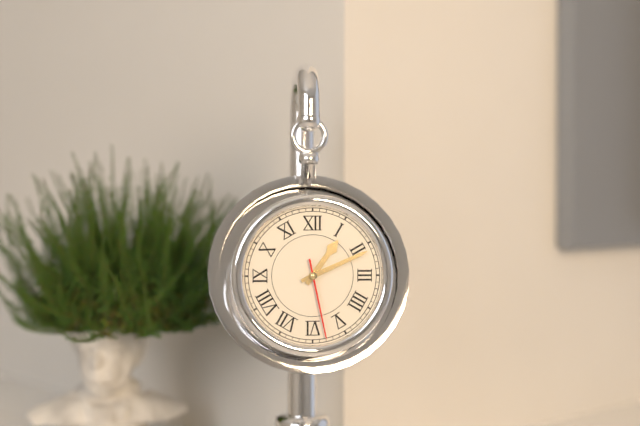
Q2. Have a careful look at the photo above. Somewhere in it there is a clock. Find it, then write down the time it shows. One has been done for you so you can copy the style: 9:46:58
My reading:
1:11:28
